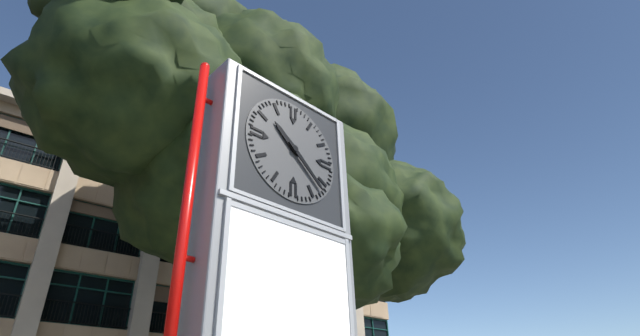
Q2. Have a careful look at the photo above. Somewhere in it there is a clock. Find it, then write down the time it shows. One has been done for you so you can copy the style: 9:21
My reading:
10:22
